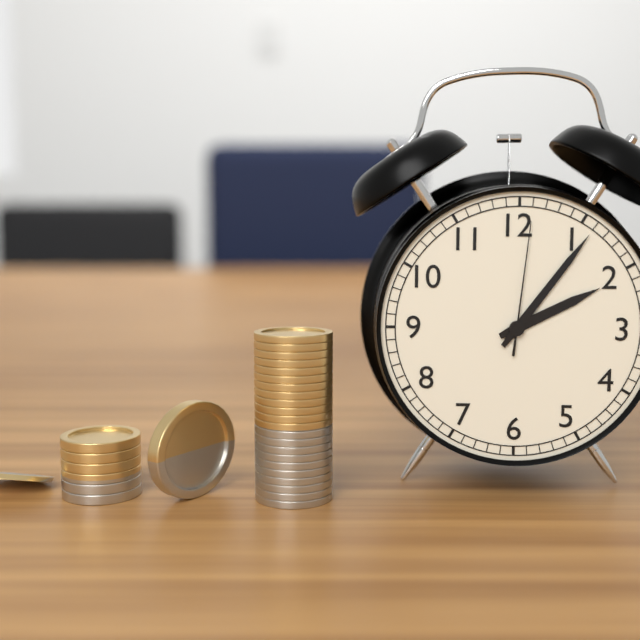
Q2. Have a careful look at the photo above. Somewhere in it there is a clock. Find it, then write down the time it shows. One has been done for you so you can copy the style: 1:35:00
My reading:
2:06:01
